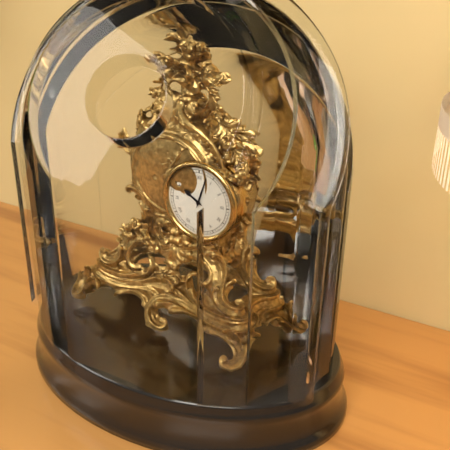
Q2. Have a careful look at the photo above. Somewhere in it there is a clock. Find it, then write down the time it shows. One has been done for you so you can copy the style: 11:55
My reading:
10:03
